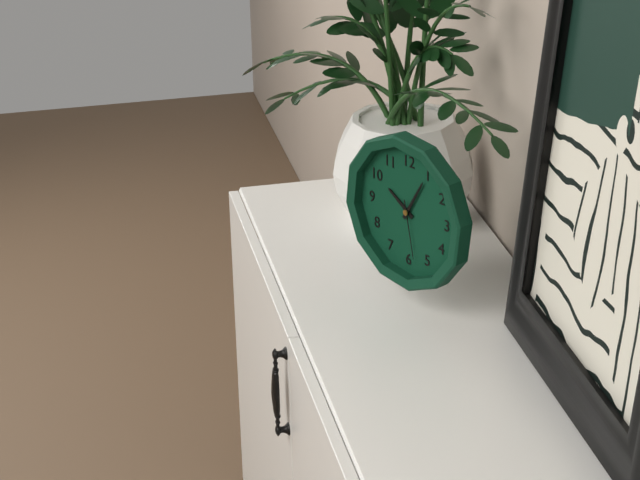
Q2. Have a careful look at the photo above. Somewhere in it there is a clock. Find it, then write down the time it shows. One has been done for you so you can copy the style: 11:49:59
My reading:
10:05:28
